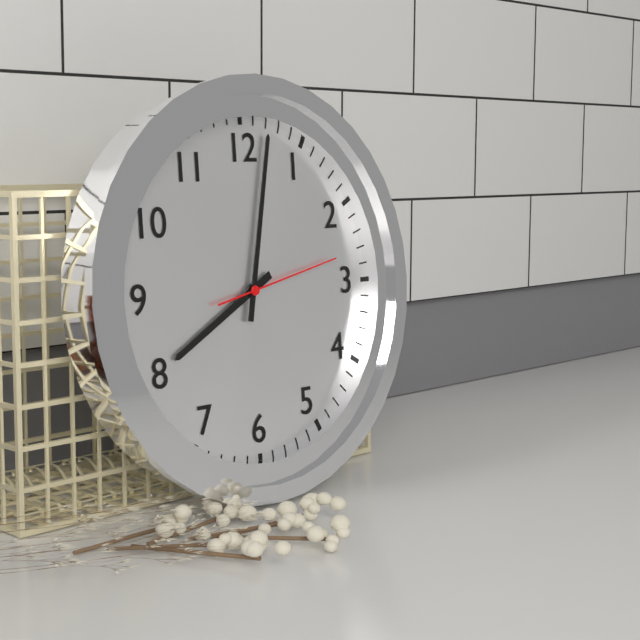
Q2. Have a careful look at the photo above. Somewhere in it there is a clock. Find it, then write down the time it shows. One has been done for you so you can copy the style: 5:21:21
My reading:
8:02:13
